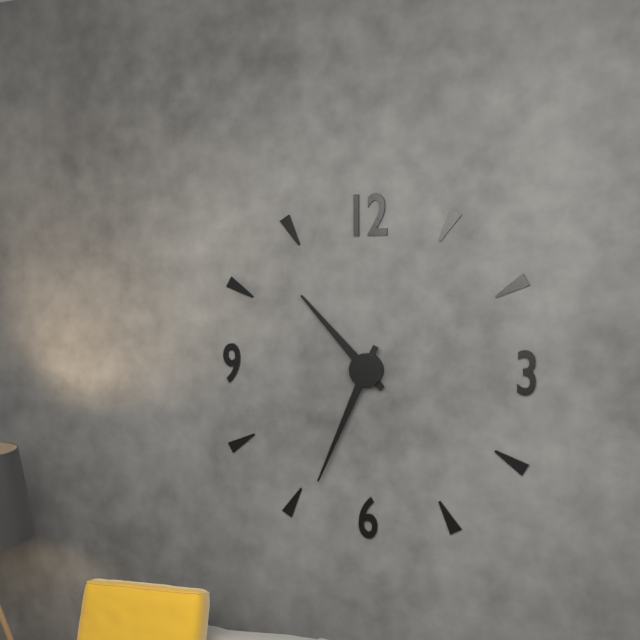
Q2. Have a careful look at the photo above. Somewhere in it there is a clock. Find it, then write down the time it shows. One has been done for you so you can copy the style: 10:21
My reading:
10:34
